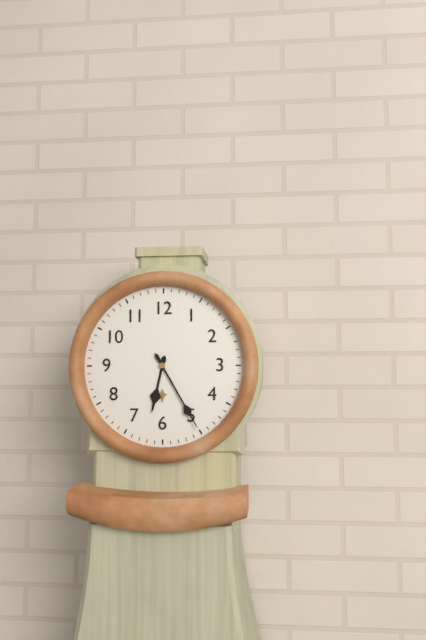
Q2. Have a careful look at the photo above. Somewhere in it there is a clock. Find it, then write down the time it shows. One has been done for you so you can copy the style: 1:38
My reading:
6:25
